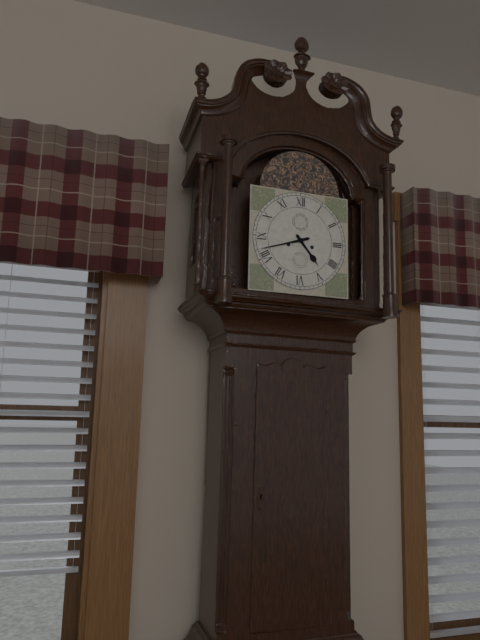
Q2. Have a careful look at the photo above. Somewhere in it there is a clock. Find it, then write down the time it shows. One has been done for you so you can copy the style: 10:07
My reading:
4:42
